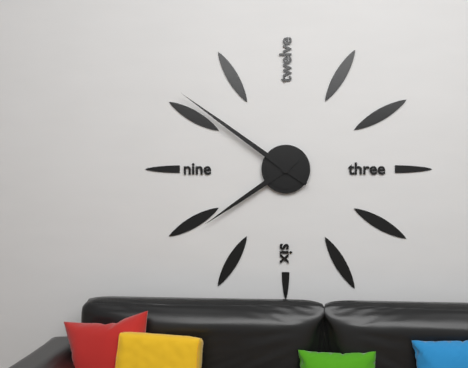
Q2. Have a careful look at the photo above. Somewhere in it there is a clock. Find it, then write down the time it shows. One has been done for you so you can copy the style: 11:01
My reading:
7:51
